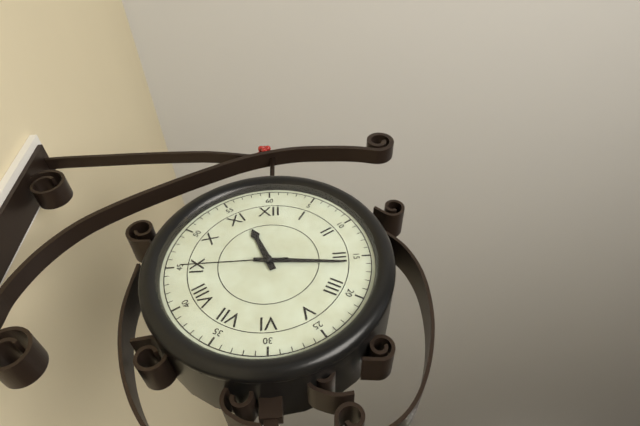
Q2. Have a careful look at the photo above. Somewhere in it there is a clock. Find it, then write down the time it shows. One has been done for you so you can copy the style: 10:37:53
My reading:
11:16:45
